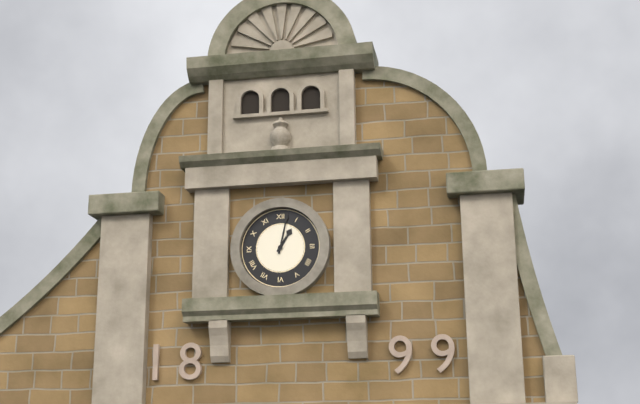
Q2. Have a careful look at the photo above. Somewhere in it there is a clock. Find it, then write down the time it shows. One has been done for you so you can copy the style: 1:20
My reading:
1:02
